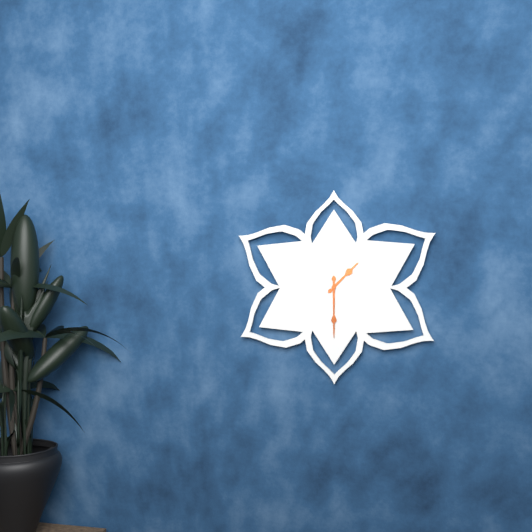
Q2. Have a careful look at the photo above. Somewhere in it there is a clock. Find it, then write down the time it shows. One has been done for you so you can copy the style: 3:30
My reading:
1:30
